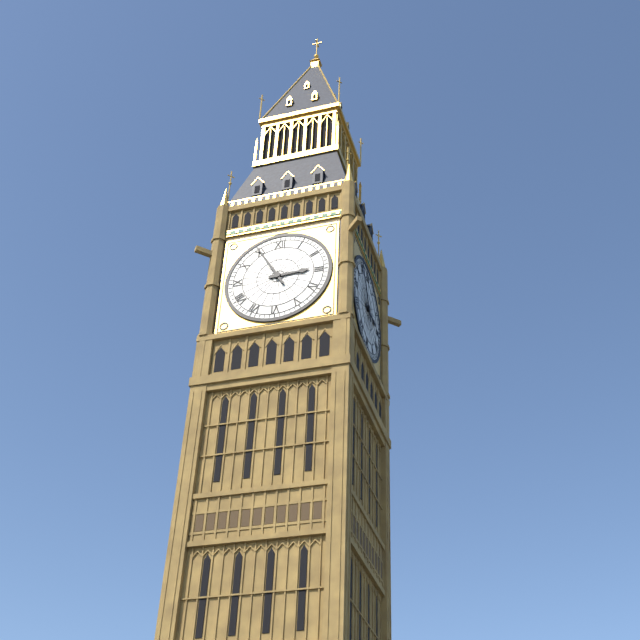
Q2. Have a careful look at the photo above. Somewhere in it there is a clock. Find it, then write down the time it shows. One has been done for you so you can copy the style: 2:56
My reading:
2:55
